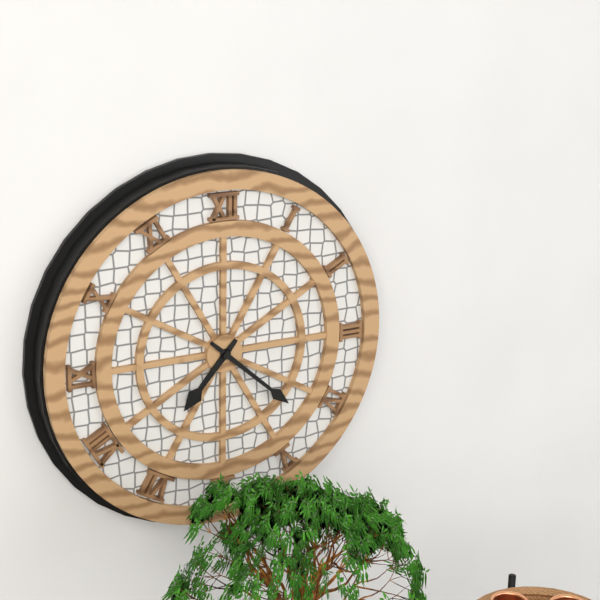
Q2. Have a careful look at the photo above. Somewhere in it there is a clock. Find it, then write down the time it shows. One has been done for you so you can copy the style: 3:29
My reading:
7:22
